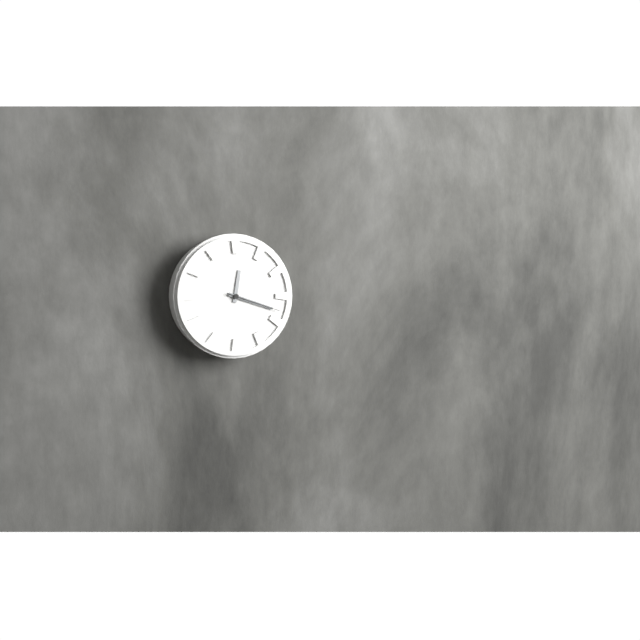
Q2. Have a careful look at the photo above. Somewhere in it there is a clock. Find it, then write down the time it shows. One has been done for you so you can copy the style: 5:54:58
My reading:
12:18:18
